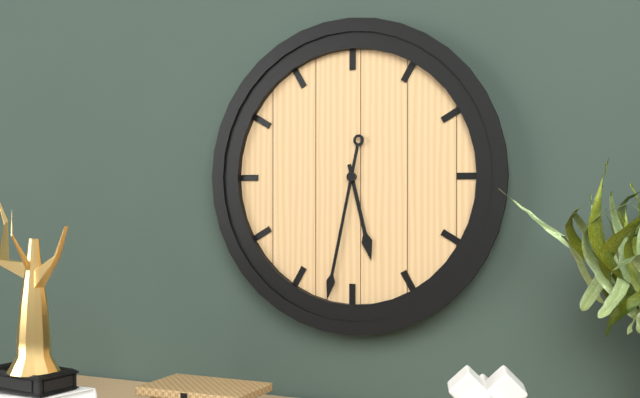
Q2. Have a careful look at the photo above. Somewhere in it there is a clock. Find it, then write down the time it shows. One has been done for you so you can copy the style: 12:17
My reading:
5:32
